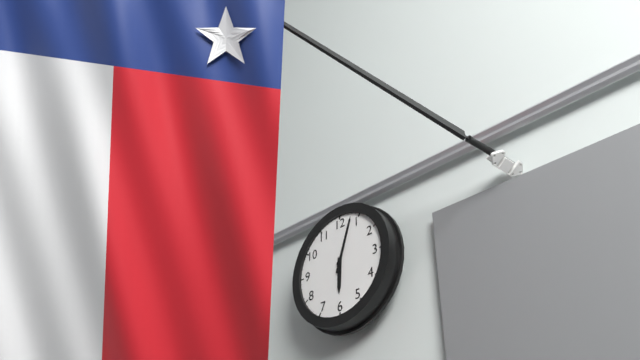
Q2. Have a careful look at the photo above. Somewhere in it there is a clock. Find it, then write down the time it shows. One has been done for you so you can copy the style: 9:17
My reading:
6:03
